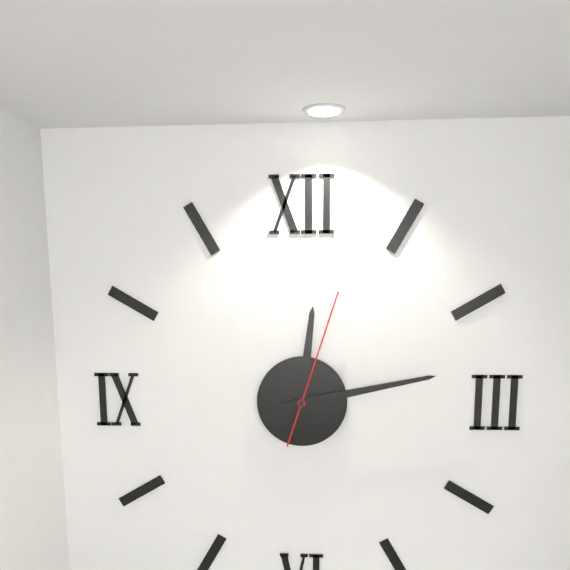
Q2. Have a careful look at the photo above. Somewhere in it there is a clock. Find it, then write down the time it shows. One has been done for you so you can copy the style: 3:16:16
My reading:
12:13:03
